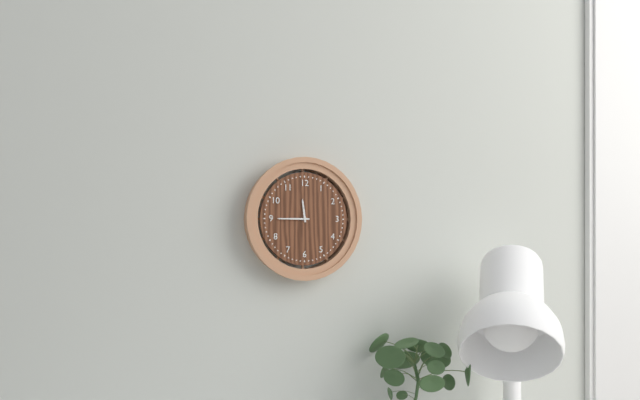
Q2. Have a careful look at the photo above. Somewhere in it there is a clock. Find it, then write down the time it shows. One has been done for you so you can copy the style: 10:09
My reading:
11:45
